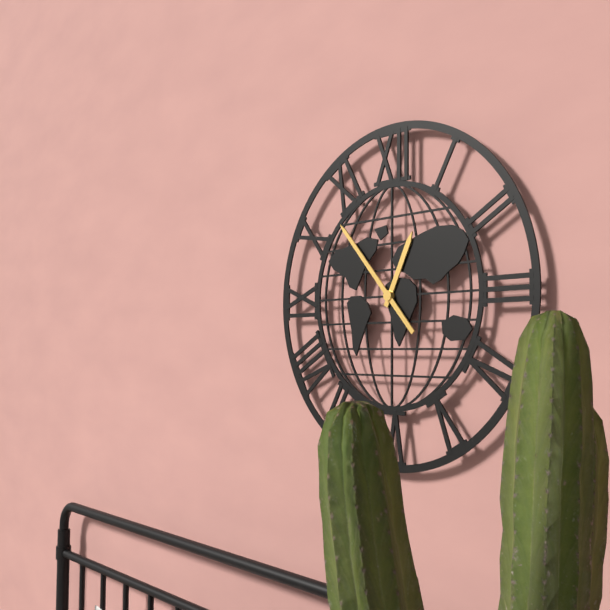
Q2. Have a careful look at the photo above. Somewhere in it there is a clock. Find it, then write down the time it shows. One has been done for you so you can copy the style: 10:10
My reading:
12:53
